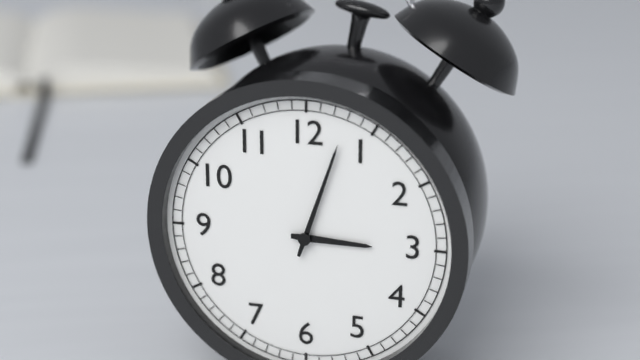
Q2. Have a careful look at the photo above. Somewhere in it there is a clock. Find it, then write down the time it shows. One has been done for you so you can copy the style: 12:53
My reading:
3:03
